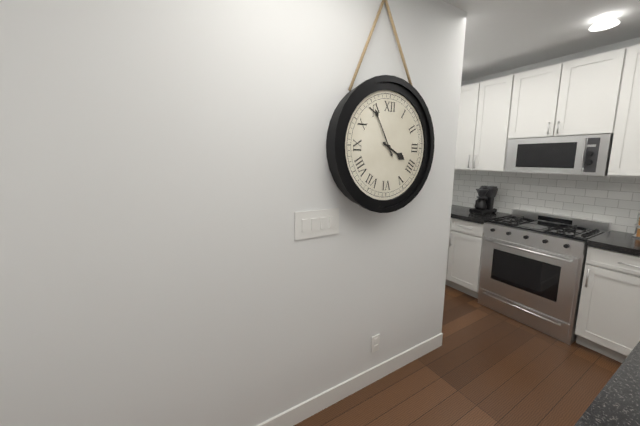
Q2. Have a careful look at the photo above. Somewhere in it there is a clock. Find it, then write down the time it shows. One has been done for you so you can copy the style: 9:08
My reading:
3:55
